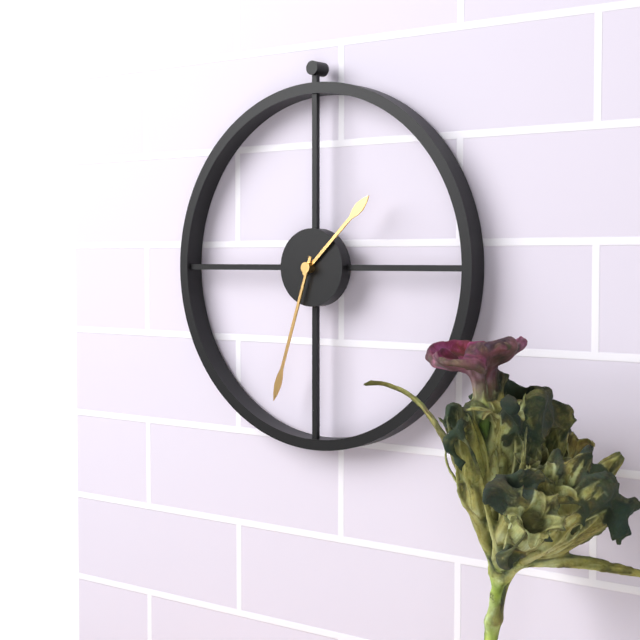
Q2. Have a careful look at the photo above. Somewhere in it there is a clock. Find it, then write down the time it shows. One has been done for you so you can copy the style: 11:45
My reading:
1:33
